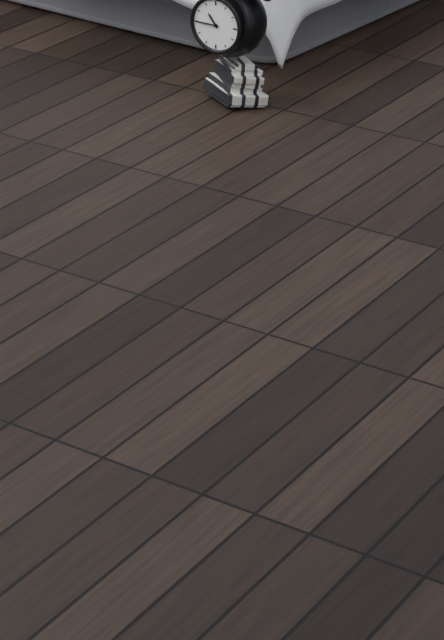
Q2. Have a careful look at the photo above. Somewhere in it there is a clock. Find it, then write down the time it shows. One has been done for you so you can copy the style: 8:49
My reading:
10:45
